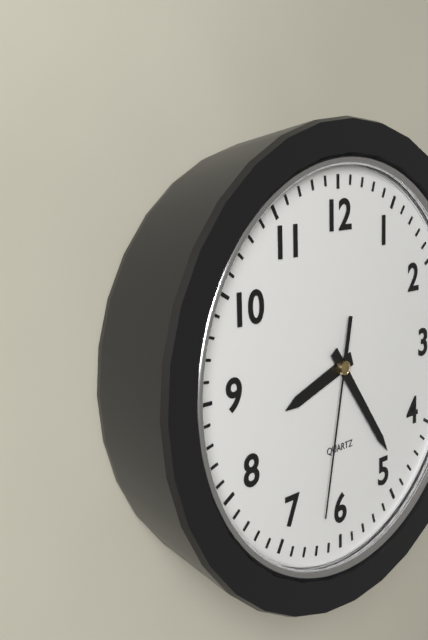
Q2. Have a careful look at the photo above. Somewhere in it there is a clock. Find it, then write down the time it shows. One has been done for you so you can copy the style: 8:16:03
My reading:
8:24:32
